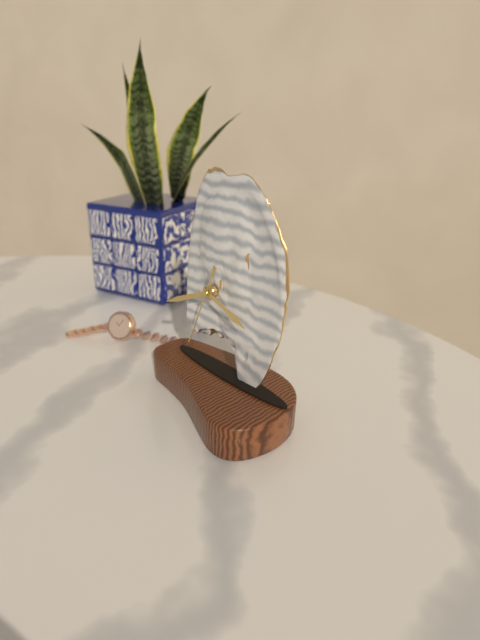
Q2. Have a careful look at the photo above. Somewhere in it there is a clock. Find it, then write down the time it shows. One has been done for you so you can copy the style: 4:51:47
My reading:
3:41:34
